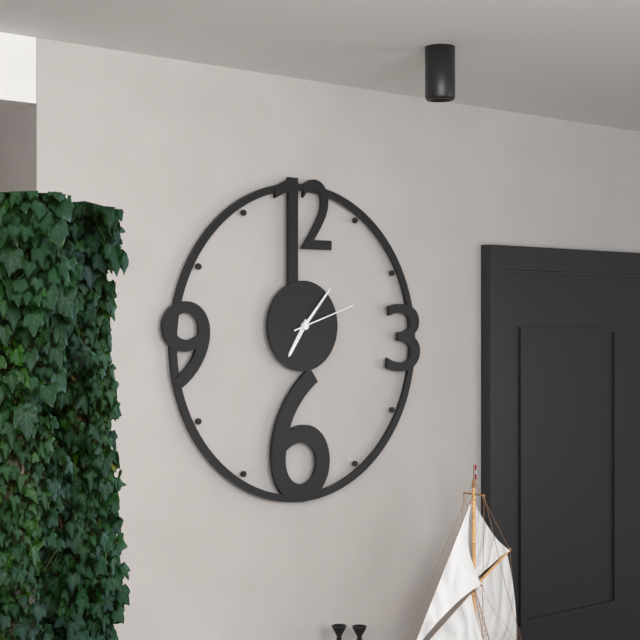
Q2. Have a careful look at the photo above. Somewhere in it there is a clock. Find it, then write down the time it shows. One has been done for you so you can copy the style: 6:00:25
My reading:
7:07:12
